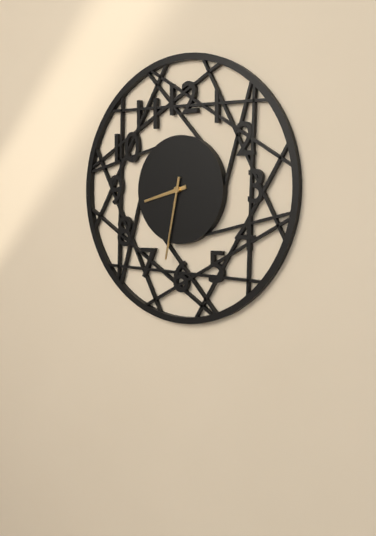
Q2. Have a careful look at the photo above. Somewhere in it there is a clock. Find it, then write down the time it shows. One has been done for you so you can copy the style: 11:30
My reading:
8:32
